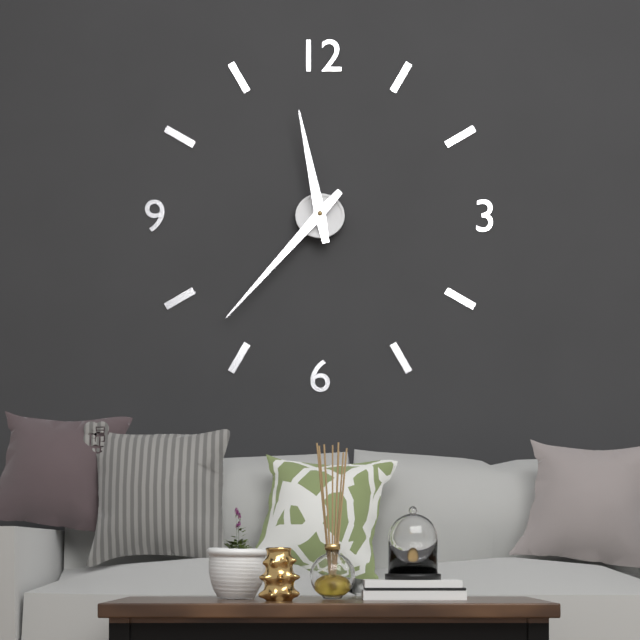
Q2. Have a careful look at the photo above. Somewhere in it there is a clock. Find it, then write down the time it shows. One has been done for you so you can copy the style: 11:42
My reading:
11:37
